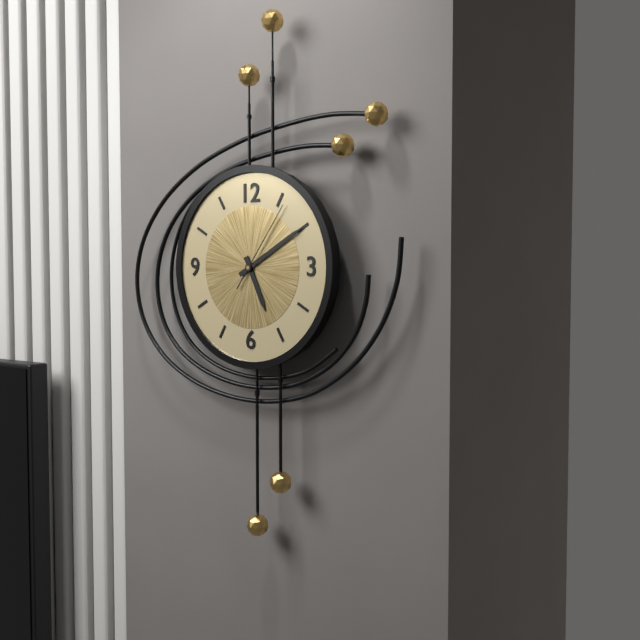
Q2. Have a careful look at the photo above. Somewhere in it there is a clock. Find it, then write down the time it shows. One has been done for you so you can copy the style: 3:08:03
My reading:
5:10:06
